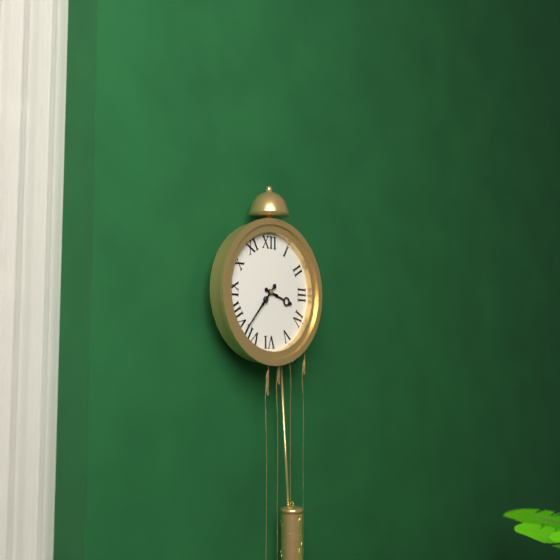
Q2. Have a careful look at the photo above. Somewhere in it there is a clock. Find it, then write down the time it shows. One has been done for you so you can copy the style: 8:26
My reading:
3:37
